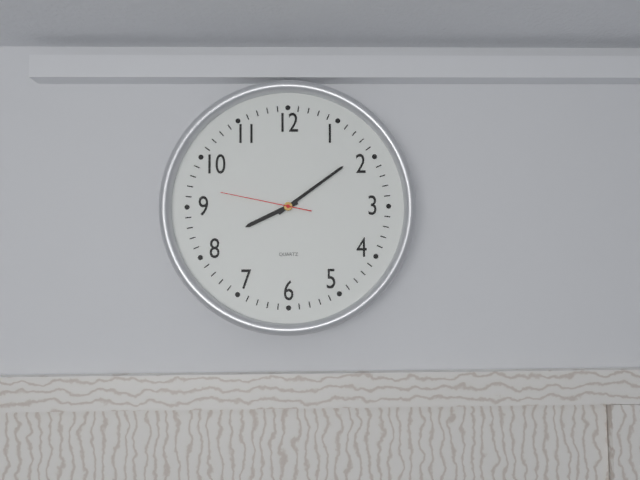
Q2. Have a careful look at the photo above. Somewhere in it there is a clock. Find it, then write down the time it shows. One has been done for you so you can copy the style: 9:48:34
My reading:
8:09:47
